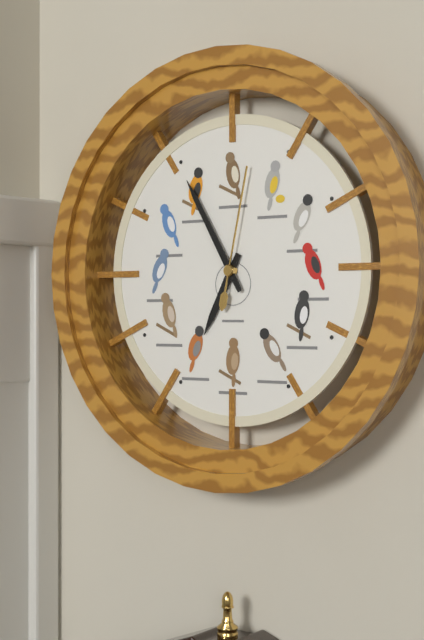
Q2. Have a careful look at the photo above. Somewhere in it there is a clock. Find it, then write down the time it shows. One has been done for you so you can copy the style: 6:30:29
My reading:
6:55:02
